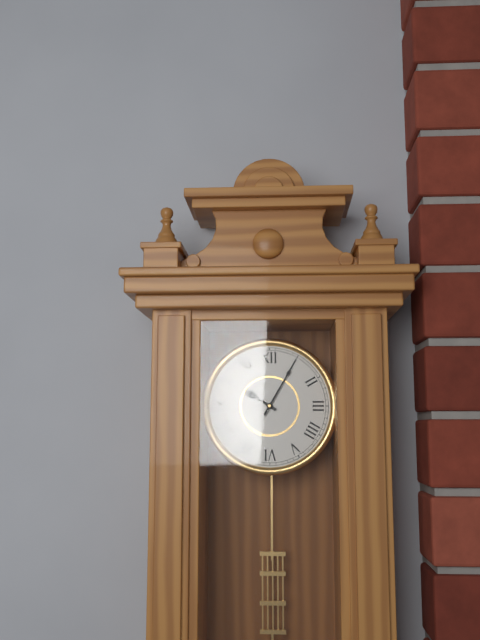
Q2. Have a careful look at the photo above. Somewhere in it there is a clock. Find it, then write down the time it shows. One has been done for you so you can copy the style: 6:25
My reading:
10:05
